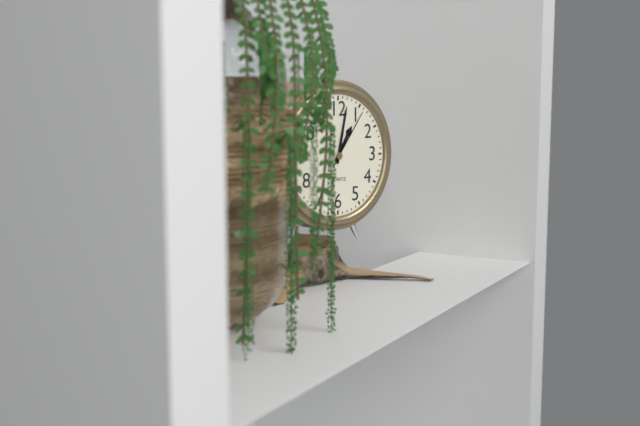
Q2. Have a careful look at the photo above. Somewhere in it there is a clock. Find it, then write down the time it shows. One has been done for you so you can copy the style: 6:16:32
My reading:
1:02:06
